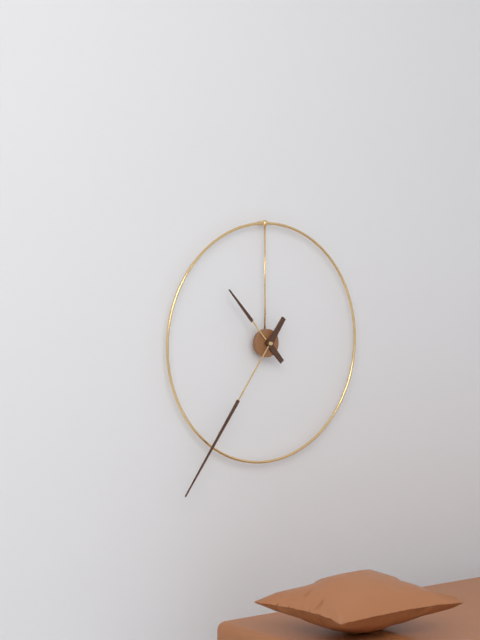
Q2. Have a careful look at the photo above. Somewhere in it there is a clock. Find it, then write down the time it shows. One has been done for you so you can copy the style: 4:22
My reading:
10:36
